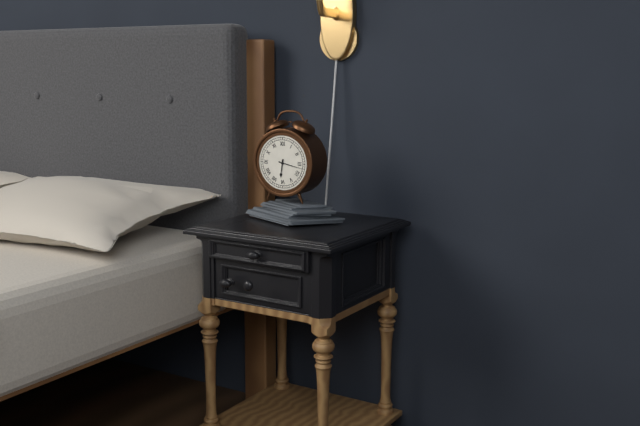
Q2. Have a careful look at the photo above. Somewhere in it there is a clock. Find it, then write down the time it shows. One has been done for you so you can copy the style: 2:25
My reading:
6:17
